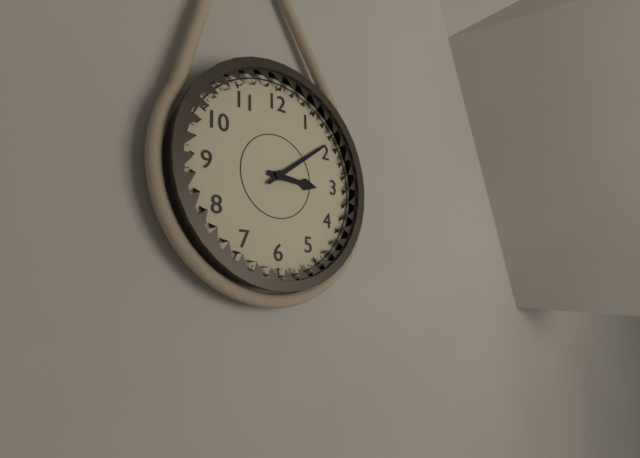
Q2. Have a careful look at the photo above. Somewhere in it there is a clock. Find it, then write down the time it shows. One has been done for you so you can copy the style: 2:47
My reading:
3:09
